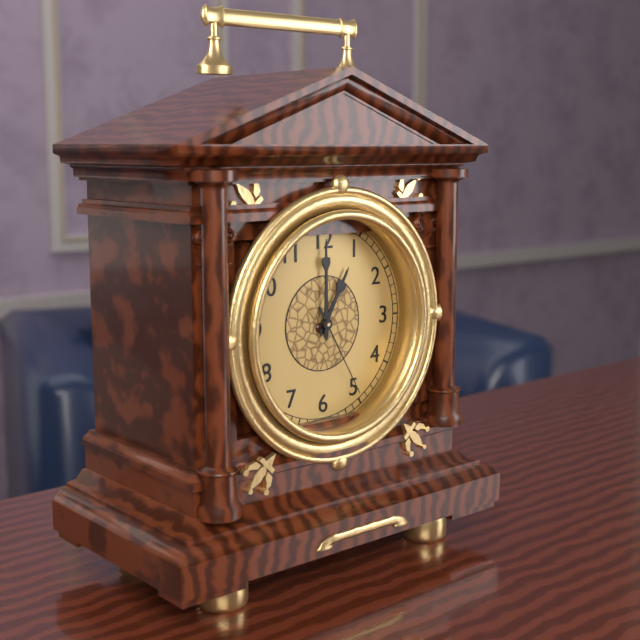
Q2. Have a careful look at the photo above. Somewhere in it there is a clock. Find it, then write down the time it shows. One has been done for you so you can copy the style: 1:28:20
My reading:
1:00:25
